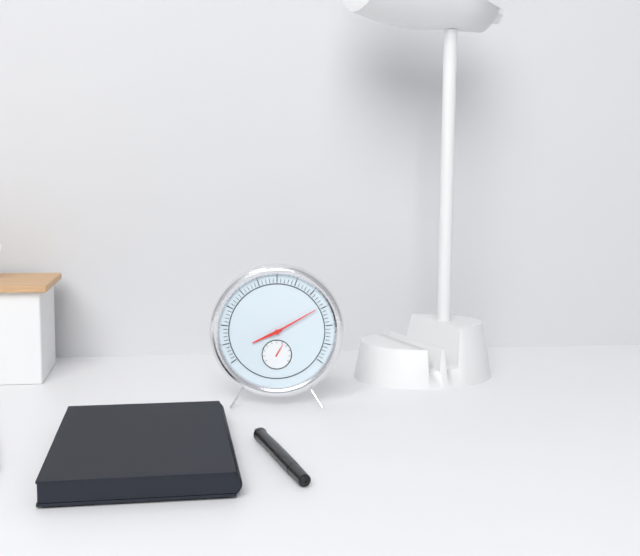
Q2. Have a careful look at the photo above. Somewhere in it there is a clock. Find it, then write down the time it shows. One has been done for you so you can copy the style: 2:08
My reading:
8:10
